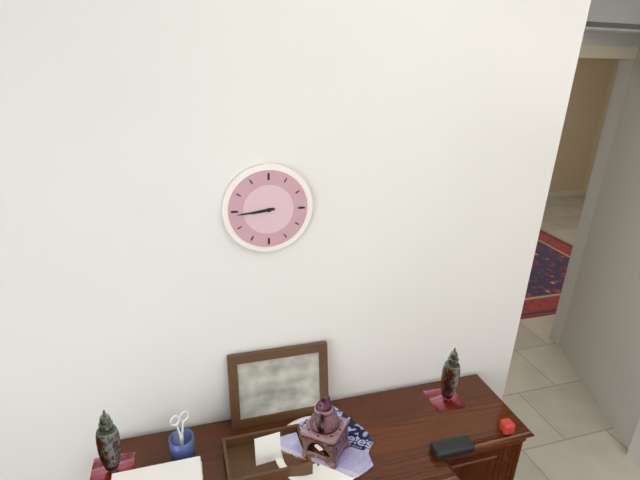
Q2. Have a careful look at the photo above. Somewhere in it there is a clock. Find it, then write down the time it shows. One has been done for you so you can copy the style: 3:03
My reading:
8:44
